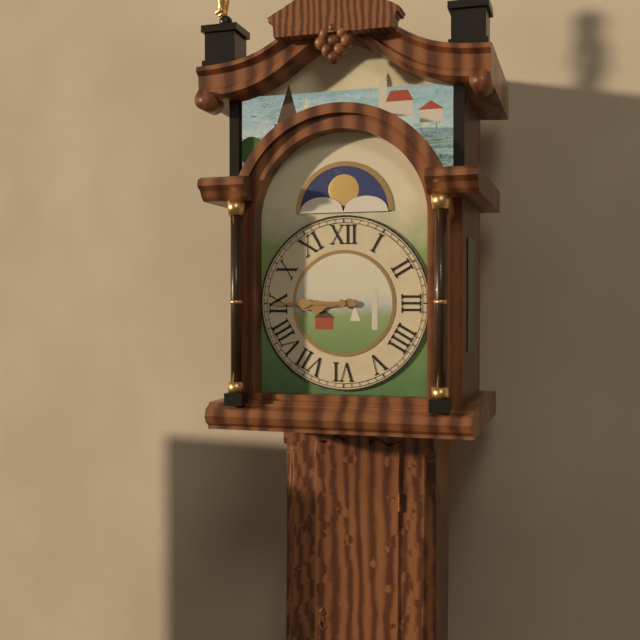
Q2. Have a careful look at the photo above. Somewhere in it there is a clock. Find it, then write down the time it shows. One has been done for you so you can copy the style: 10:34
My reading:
8:45
